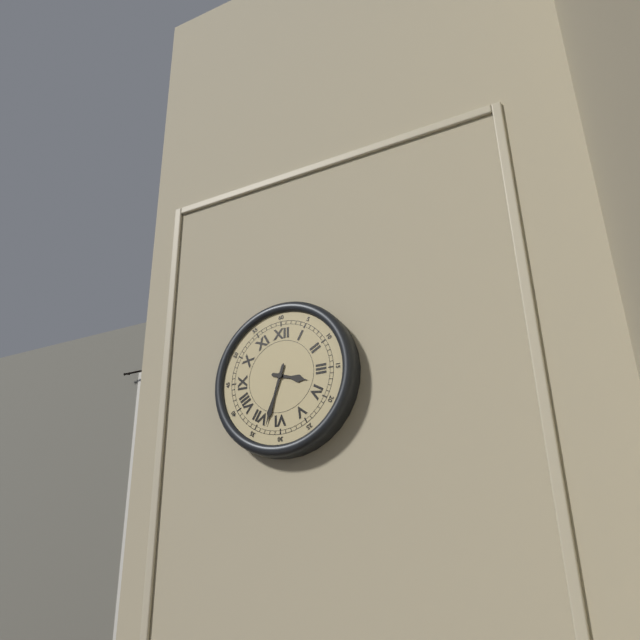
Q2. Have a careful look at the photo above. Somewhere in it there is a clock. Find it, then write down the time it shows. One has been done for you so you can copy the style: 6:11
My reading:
3:33
